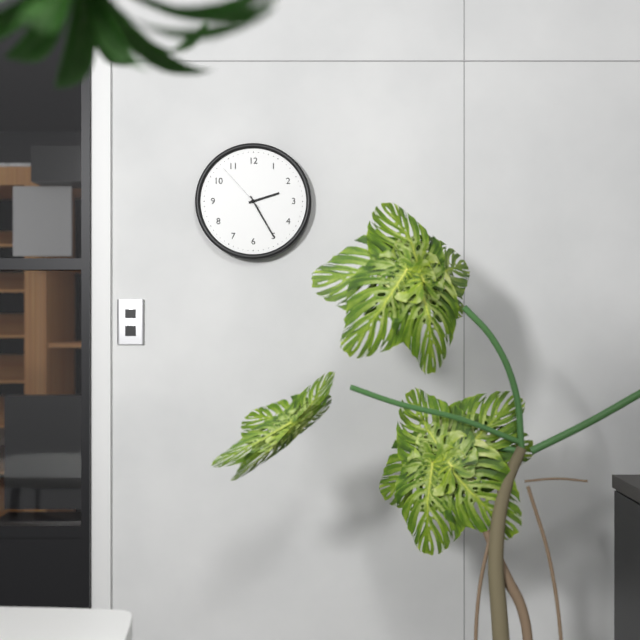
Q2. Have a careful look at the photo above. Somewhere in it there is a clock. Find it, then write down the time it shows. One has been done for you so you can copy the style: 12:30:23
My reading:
2:25:53
